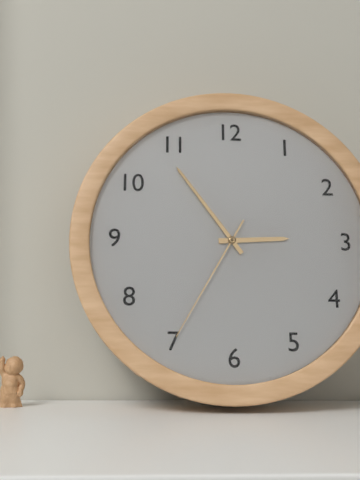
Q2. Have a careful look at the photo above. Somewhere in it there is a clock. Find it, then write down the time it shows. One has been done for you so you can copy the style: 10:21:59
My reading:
2:54:35
